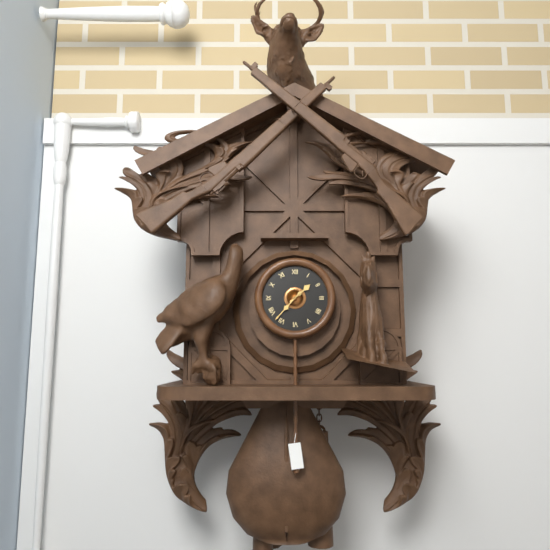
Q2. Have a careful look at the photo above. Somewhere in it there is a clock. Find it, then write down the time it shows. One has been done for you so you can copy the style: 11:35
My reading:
1:37
